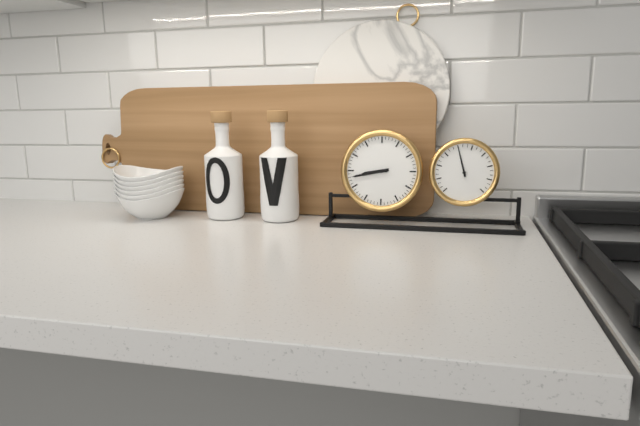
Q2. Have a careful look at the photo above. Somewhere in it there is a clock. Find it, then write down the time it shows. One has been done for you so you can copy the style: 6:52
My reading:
8:43
